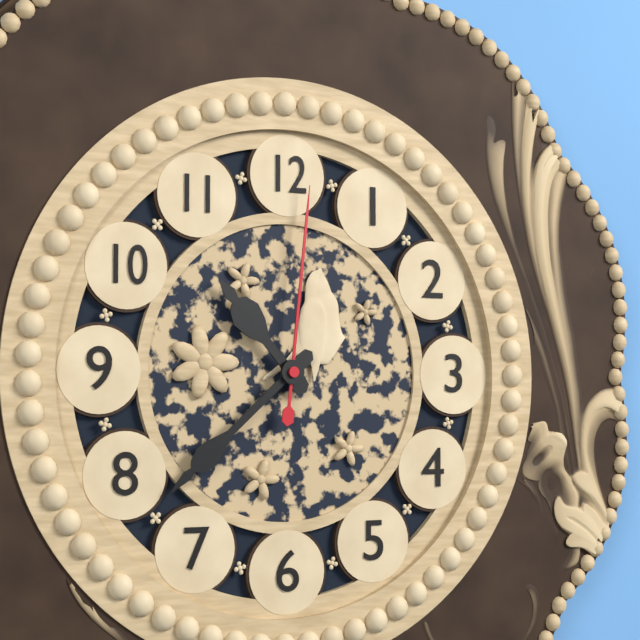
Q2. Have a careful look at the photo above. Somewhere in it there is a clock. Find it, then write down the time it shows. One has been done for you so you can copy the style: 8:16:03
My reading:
10:38:01
